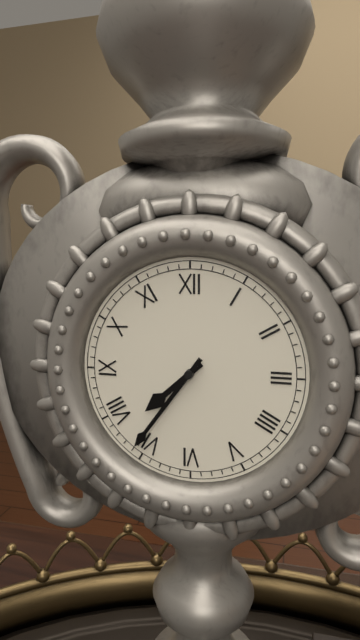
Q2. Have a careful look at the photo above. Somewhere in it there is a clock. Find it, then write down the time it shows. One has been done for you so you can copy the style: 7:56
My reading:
7:36
